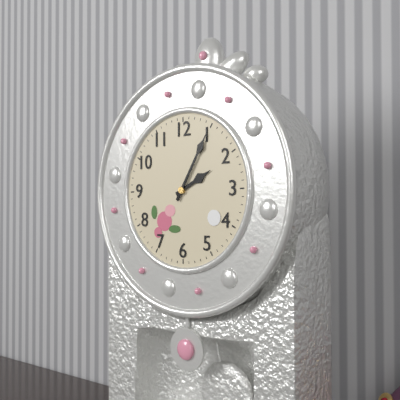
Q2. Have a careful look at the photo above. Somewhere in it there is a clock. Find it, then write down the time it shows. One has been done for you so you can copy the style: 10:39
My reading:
2:05
